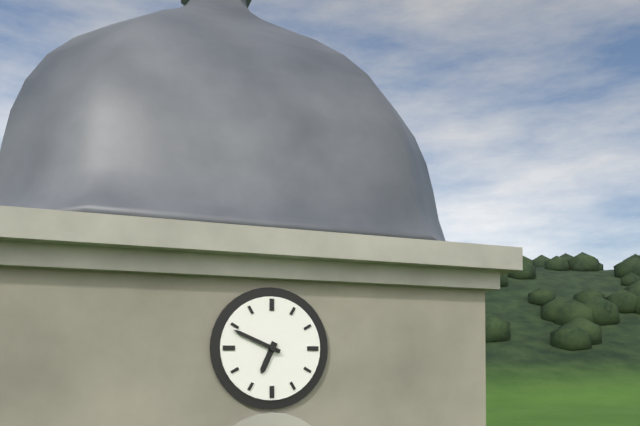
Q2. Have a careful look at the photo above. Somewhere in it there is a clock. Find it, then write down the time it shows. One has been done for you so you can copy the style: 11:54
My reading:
6:49
